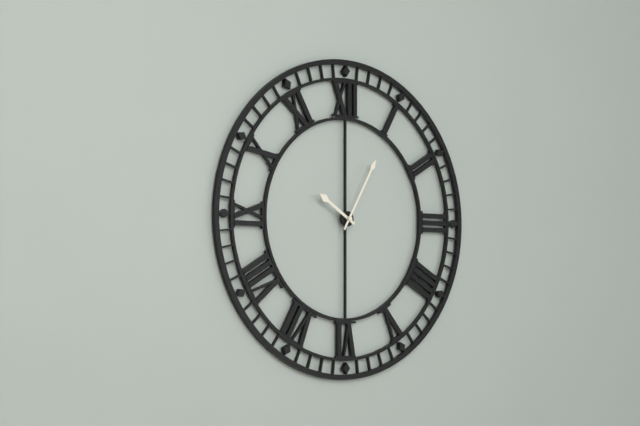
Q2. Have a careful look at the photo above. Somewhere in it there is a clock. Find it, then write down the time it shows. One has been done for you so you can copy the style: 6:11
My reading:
10:05
